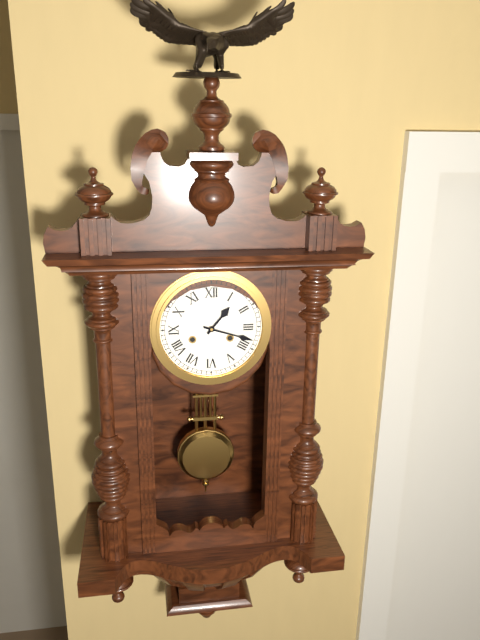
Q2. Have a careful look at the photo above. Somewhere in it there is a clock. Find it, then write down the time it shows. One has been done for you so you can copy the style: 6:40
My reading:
1:18
